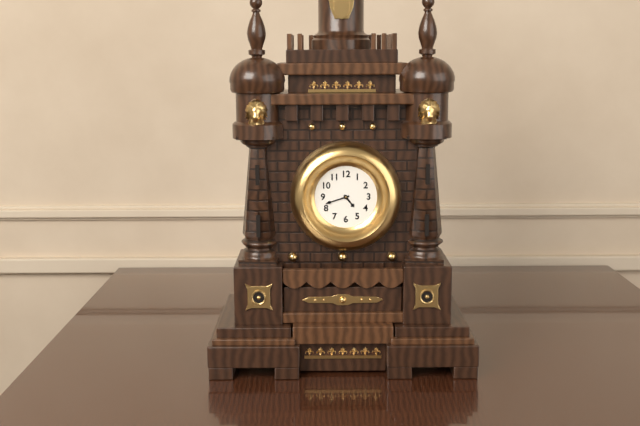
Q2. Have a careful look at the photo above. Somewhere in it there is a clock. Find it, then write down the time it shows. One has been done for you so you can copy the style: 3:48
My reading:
4:42
